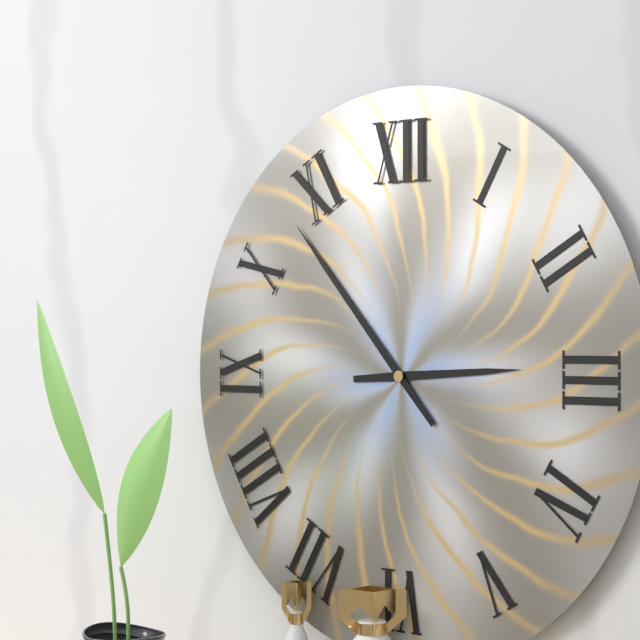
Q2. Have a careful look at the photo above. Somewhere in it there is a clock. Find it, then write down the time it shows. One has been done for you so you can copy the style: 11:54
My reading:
2:53
